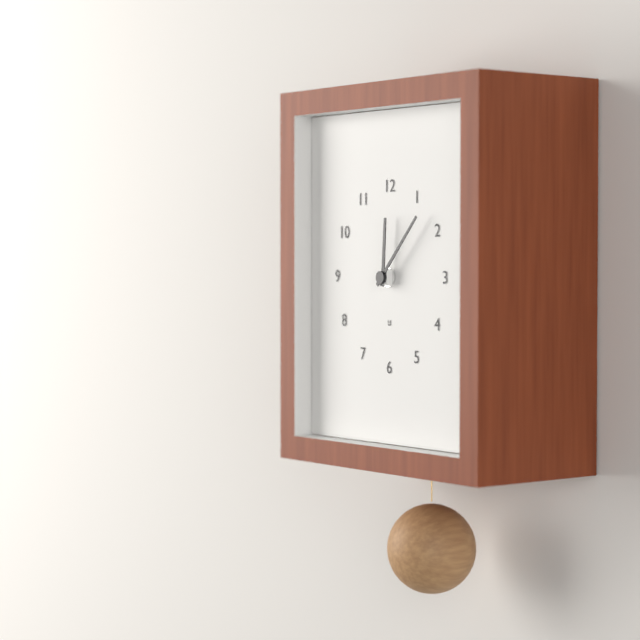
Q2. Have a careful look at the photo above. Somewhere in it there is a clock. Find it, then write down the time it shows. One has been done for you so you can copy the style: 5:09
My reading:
12:07
